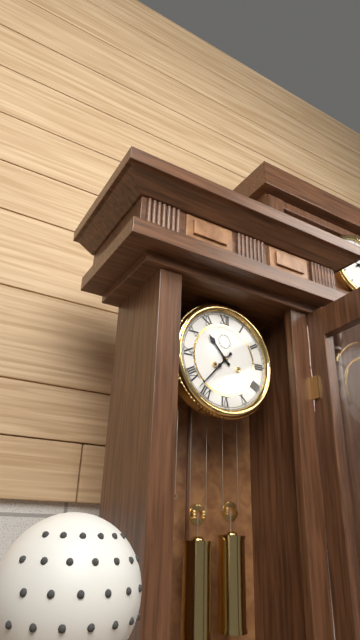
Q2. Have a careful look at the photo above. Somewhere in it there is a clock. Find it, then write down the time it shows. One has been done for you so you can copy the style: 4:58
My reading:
10:37
